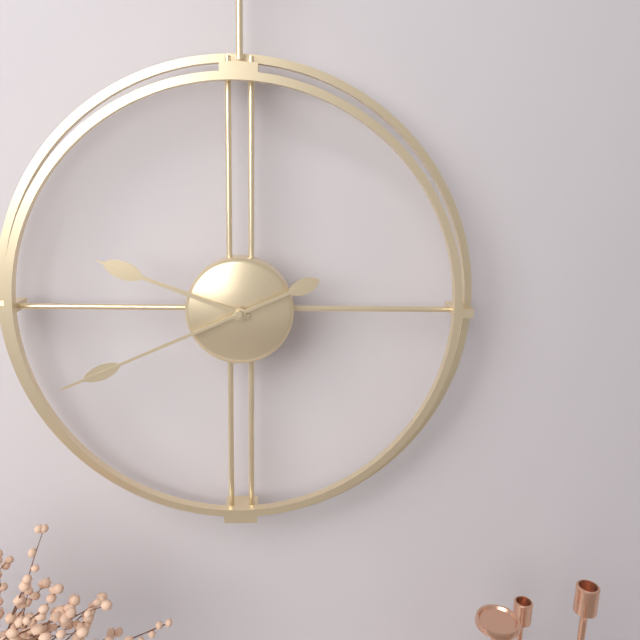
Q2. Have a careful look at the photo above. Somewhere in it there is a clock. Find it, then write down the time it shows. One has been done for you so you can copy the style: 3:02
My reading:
9:41
